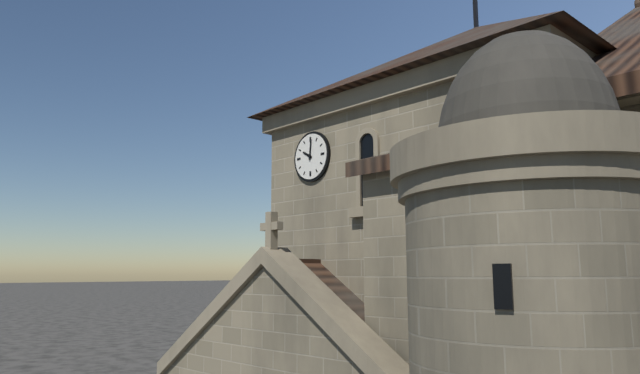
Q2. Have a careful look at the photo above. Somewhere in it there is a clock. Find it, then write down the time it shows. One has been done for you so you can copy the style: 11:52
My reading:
10:01
